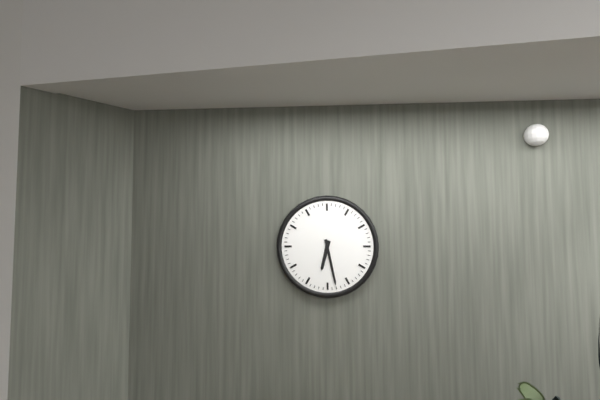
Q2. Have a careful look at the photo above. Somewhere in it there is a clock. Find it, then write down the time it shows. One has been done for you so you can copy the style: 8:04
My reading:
6:28
